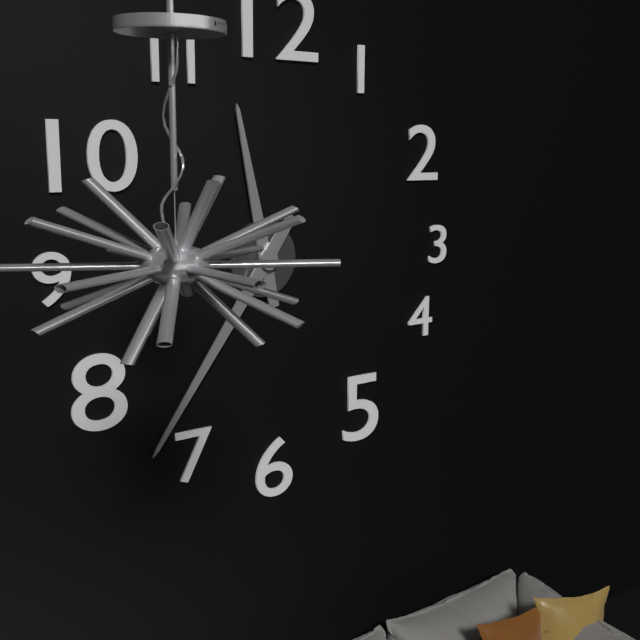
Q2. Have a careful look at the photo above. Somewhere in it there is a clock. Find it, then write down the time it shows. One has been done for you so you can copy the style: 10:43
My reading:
11:36
